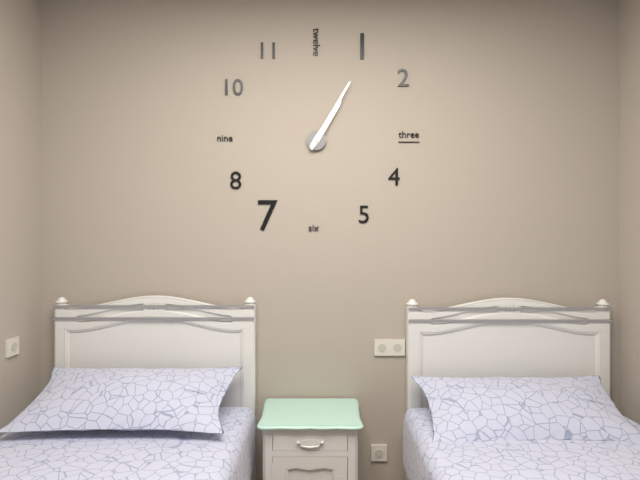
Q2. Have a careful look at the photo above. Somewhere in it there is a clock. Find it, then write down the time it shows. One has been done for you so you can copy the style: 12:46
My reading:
1:05
